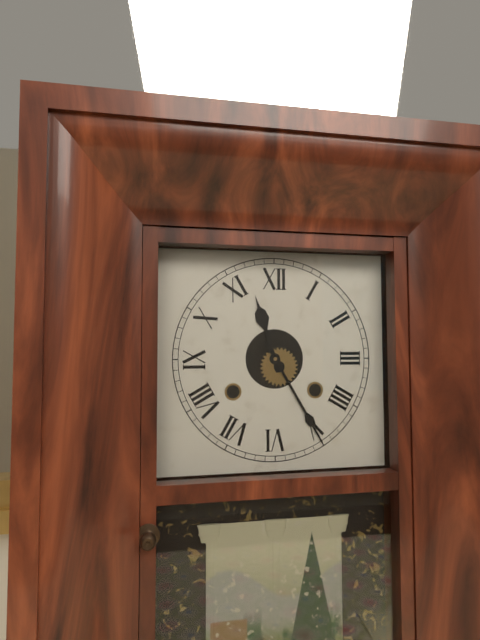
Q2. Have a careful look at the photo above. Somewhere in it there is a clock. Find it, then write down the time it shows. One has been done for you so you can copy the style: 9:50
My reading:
11:25
